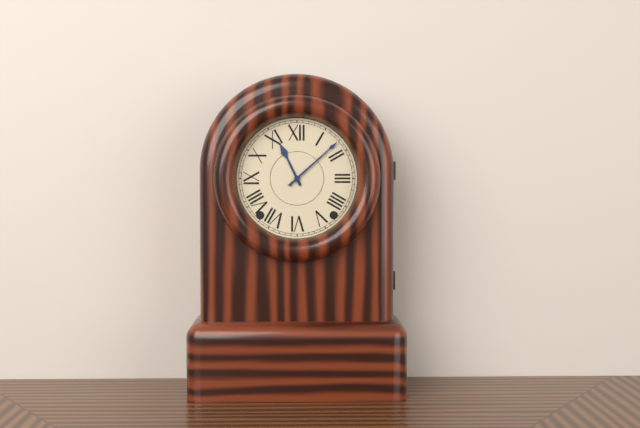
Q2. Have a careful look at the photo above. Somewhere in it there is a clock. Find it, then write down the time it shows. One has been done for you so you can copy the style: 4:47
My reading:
11:08
